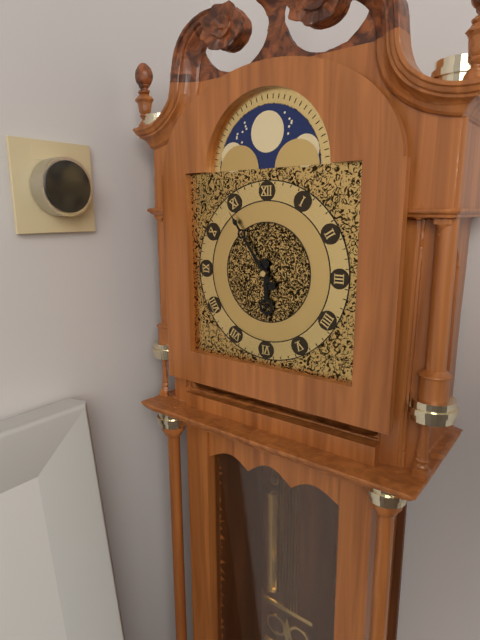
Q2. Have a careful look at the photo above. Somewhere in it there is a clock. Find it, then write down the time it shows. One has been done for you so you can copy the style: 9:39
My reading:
5:54
